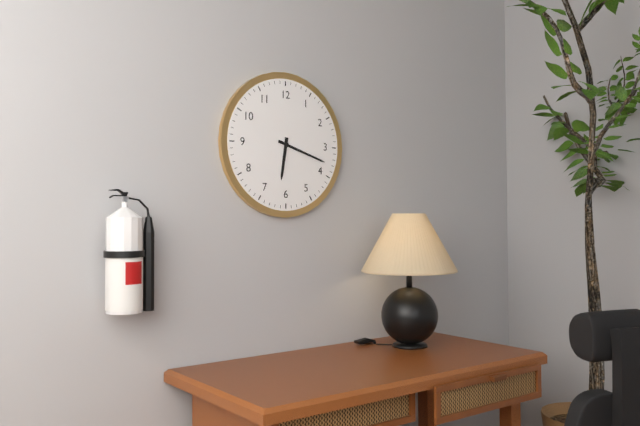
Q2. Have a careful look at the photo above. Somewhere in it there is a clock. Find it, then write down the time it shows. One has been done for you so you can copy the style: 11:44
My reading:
6:18
